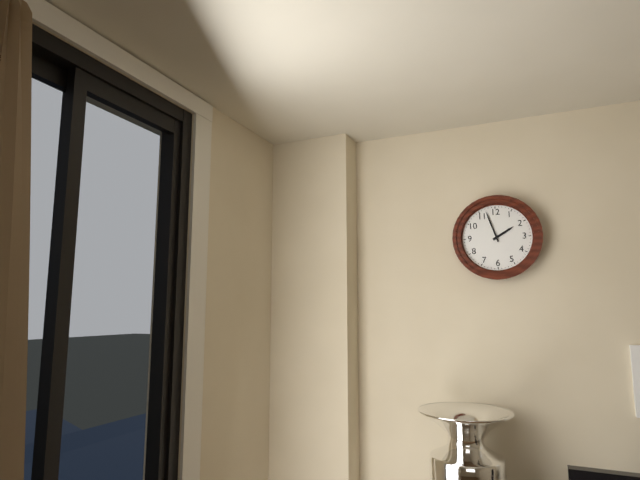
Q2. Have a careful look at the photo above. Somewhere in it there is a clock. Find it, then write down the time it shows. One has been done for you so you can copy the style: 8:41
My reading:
1:57
